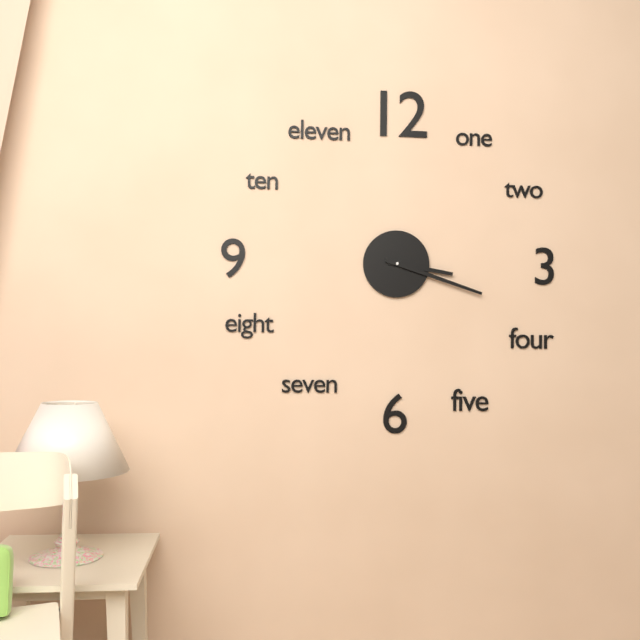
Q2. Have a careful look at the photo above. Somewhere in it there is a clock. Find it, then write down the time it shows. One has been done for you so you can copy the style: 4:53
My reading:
3:18
